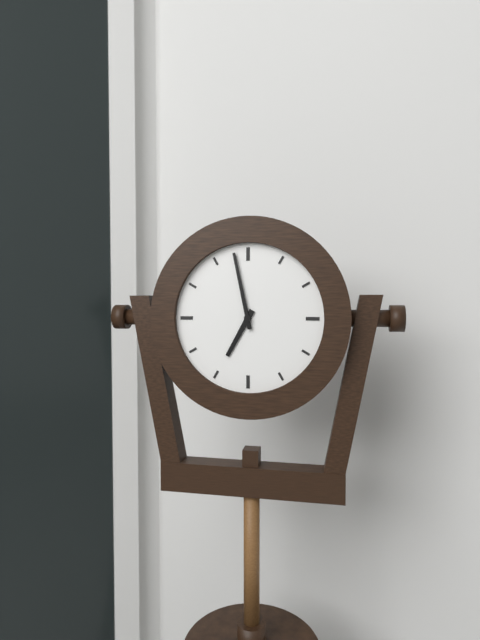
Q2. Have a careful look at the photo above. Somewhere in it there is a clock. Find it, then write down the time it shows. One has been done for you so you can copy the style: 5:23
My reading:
6:58
